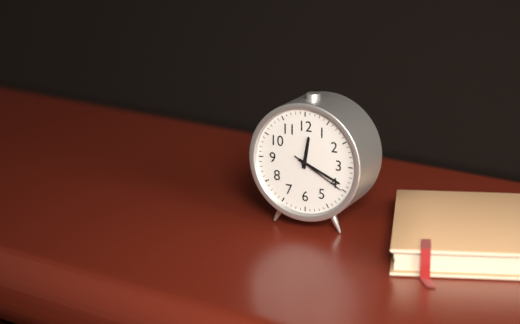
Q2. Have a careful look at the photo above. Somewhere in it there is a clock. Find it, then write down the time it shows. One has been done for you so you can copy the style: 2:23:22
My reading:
12:19:20
